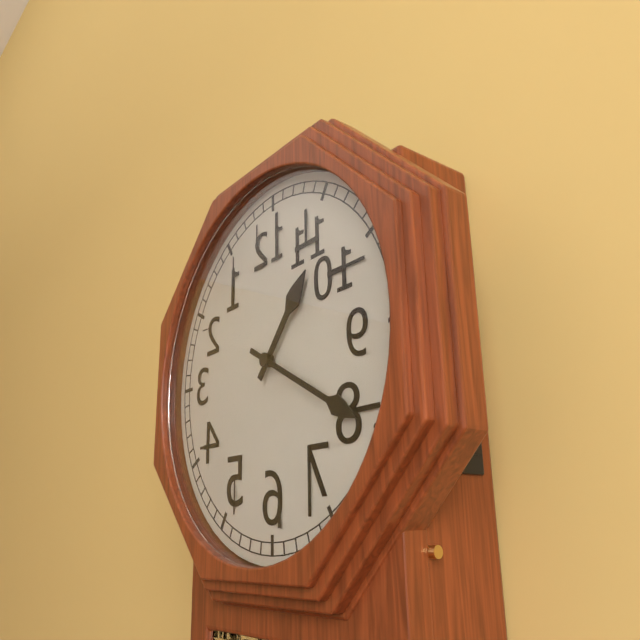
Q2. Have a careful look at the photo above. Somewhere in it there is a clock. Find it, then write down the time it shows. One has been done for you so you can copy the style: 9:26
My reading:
1:20
